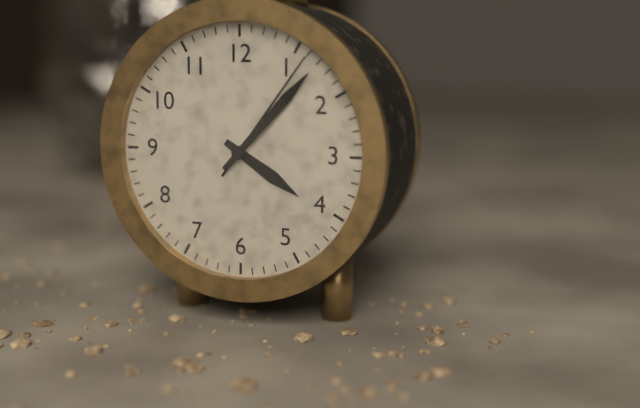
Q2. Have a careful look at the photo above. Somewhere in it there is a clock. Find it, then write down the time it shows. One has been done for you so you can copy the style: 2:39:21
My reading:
4:07:06
